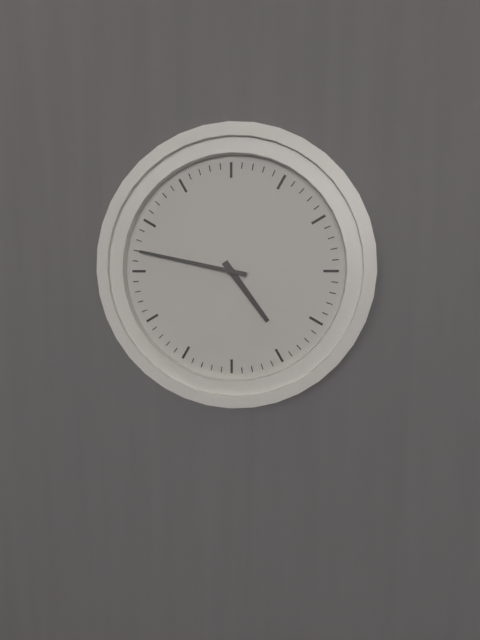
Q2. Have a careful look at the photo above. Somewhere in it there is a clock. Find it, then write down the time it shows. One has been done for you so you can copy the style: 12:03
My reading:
4:47
